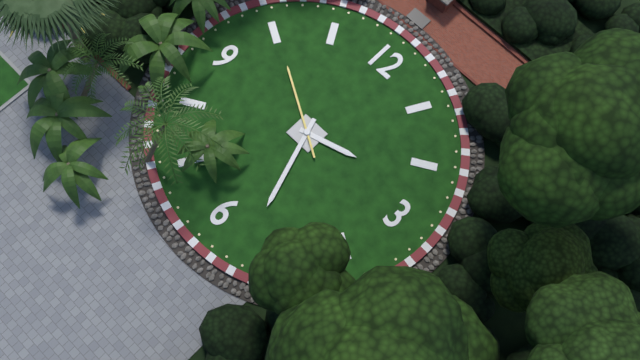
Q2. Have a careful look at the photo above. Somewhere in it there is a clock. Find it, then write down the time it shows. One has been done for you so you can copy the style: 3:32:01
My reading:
2:27:50
